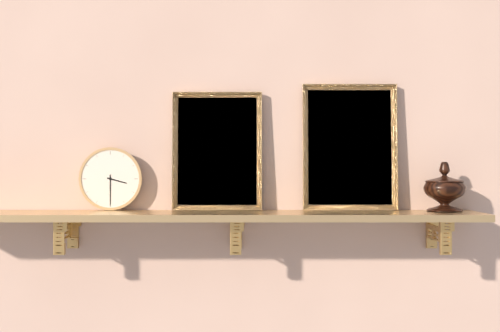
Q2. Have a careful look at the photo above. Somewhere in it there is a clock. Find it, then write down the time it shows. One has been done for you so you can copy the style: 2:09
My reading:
3:30
